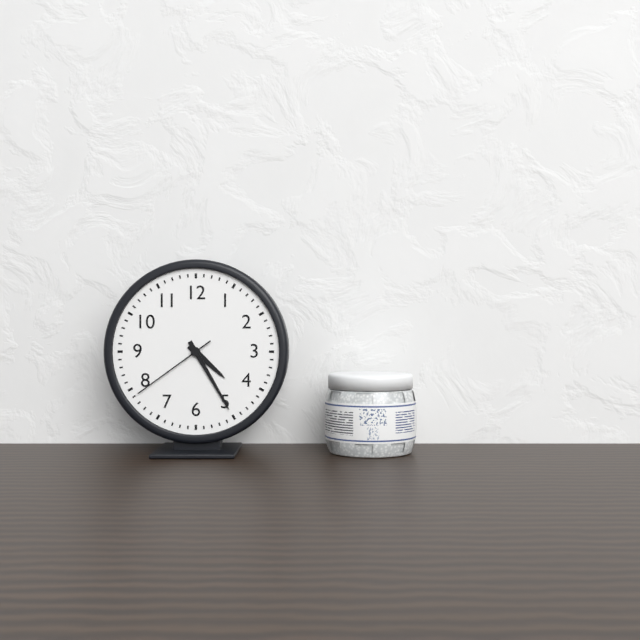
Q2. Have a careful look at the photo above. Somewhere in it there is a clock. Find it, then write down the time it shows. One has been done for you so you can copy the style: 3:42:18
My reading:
4:25:39
